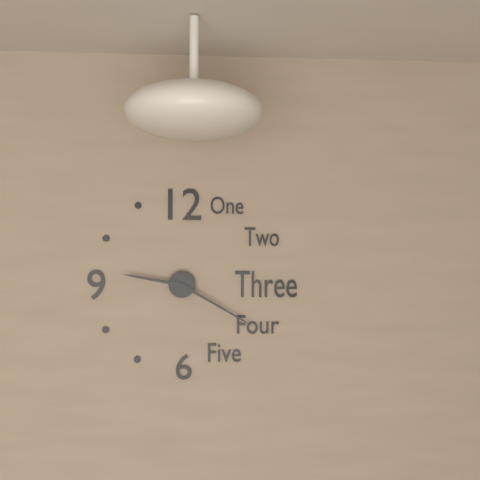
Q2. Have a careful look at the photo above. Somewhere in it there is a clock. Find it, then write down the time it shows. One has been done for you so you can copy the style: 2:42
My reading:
9:20
